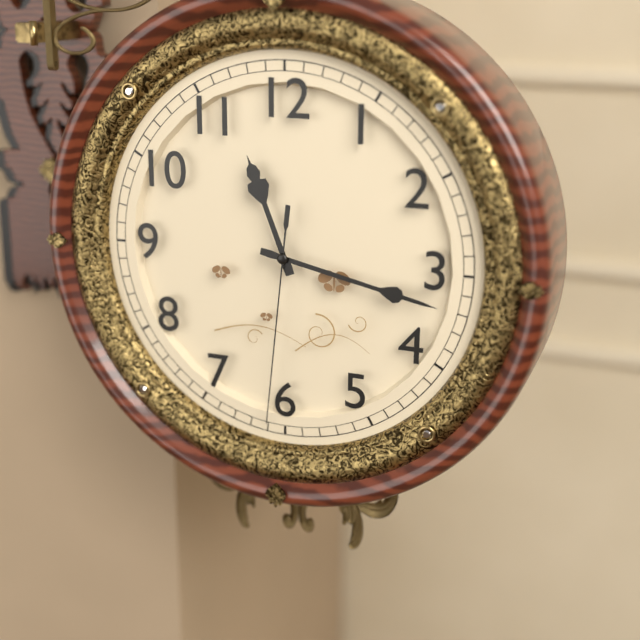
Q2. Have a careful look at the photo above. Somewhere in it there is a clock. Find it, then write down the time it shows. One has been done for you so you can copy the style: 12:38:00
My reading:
11:17:31
